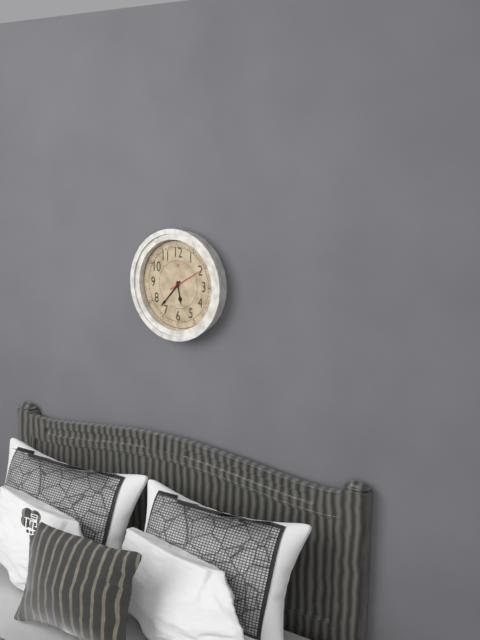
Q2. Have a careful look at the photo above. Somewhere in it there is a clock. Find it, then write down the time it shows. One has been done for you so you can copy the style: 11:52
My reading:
5:37
